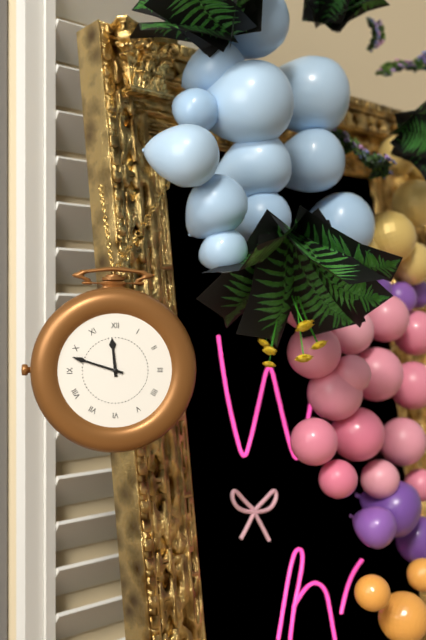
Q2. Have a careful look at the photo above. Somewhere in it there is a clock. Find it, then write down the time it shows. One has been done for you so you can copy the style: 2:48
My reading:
11:48
